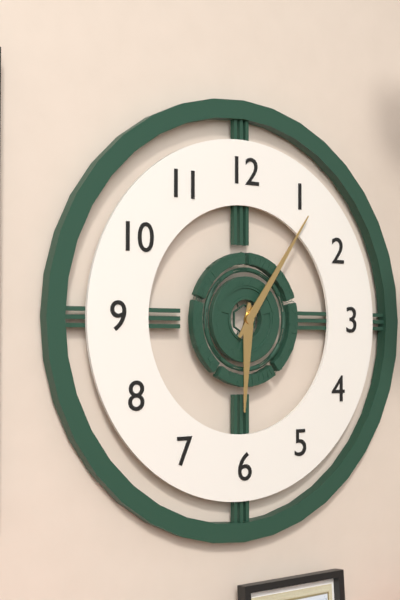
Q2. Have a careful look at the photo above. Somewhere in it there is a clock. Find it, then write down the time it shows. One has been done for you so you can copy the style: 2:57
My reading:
6:06
